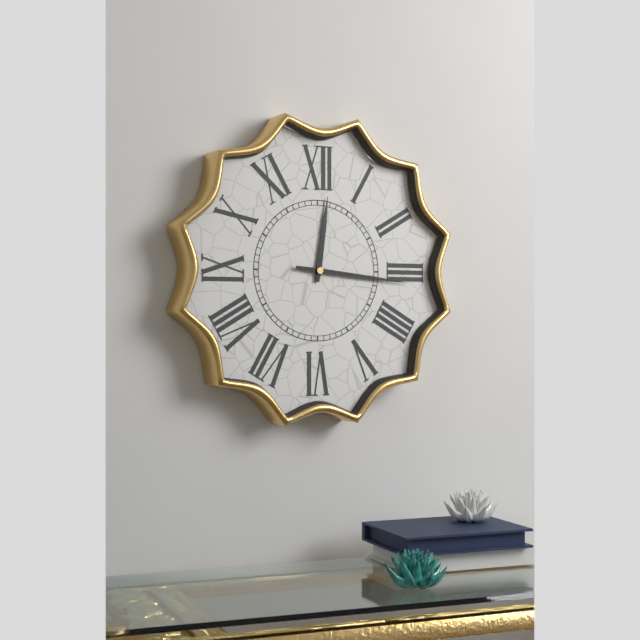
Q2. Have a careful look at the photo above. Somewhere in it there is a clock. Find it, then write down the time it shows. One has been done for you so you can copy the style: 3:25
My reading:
12:16
